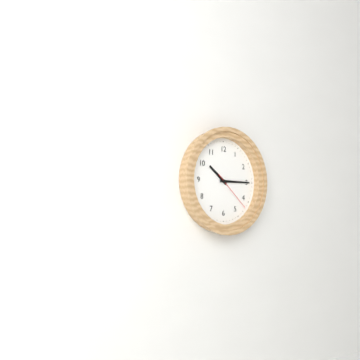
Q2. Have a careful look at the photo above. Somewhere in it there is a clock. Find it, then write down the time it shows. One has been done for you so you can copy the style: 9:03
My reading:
10:15
